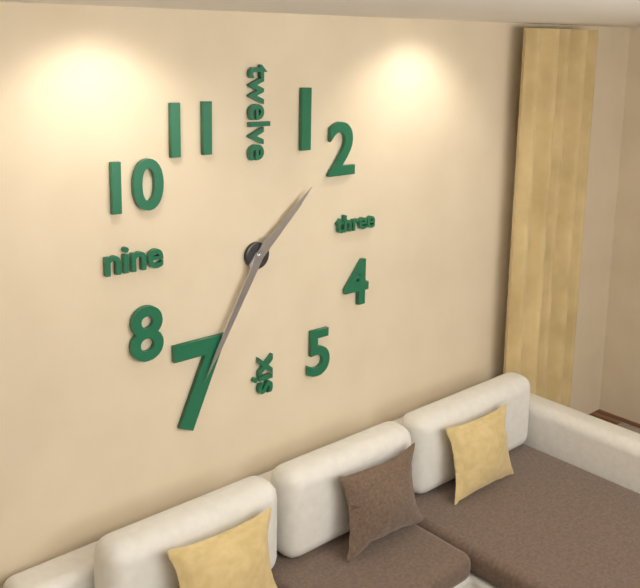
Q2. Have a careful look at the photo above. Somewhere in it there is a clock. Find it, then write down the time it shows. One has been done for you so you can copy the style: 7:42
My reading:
1:35
